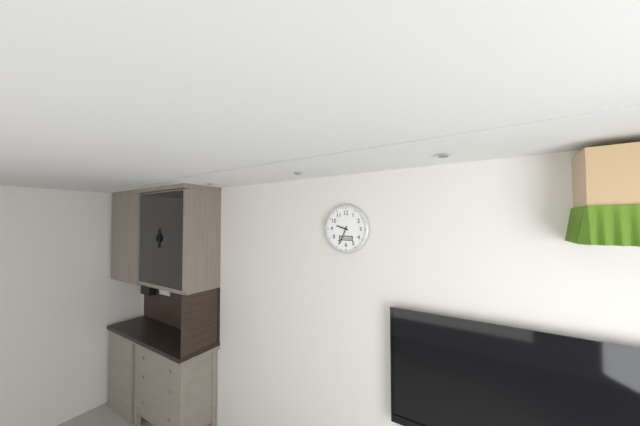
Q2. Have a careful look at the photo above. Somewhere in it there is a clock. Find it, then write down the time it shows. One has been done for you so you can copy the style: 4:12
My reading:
9:34
